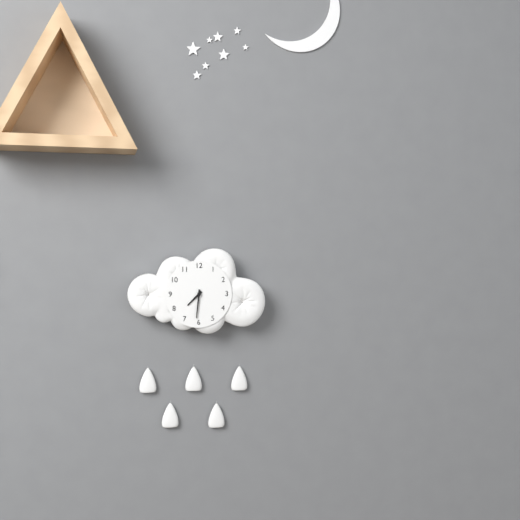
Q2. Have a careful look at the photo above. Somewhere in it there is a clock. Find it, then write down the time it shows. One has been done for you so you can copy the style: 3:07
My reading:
7:31
